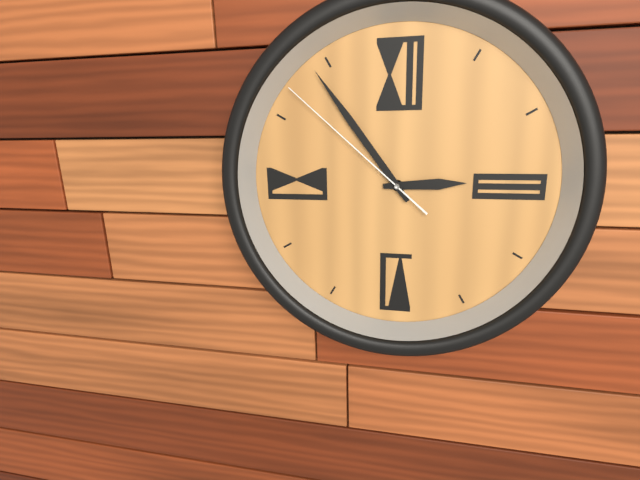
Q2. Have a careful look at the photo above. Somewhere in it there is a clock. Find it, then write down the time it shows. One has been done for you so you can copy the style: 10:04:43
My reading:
2:54:52
